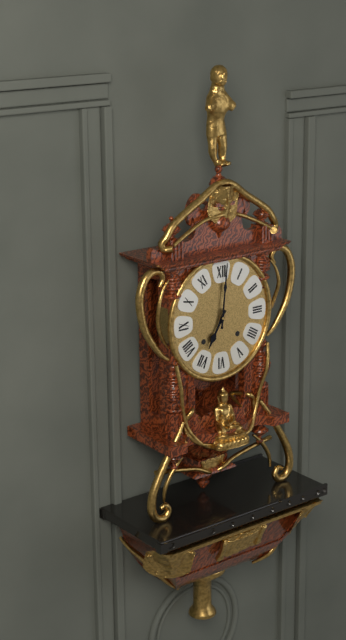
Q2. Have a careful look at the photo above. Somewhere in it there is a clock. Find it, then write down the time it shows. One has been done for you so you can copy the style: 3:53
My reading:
7:01
